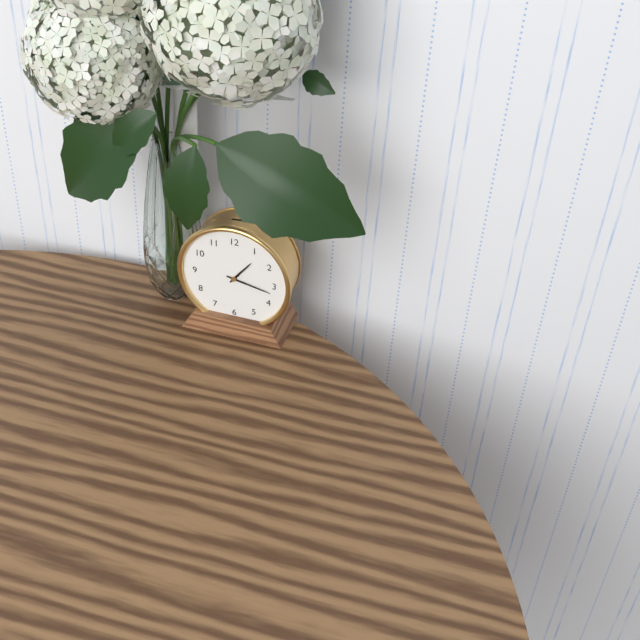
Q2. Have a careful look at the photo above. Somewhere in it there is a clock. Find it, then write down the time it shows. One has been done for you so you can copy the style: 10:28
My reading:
1:17
